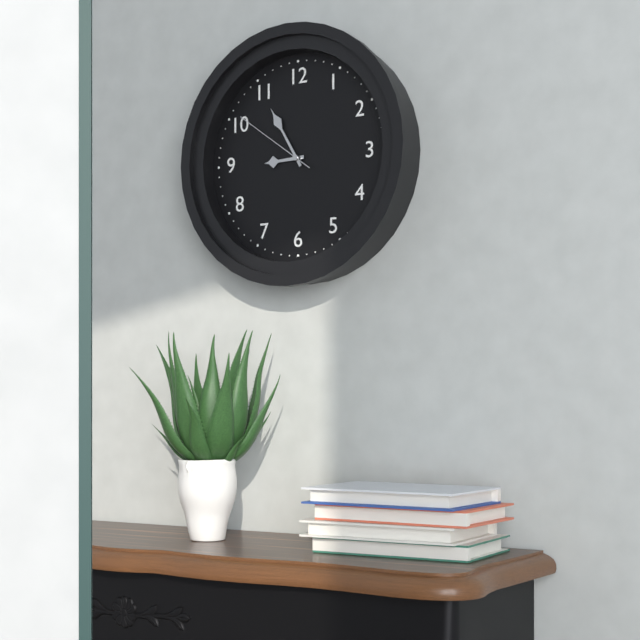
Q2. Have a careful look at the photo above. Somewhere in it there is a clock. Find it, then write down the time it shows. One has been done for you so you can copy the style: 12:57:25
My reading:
8:55:51
